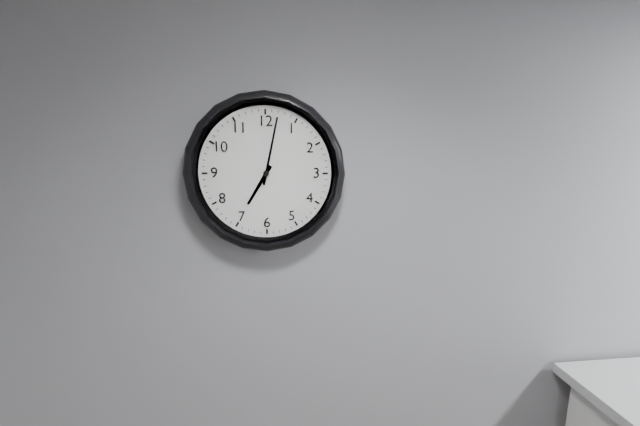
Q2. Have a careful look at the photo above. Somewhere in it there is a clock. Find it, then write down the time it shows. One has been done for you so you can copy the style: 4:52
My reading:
7:02
